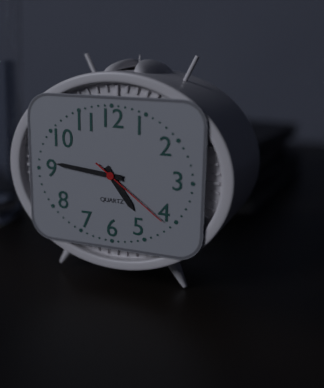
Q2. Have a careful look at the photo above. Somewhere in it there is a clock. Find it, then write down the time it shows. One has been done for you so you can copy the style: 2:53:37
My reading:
4:46:21
